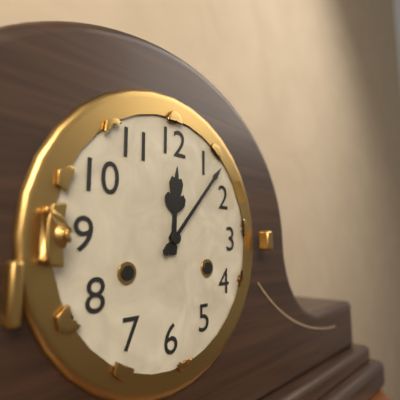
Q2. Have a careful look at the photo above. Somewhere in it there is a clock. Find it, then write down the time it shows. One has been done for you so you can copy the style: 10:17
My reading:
12:07
